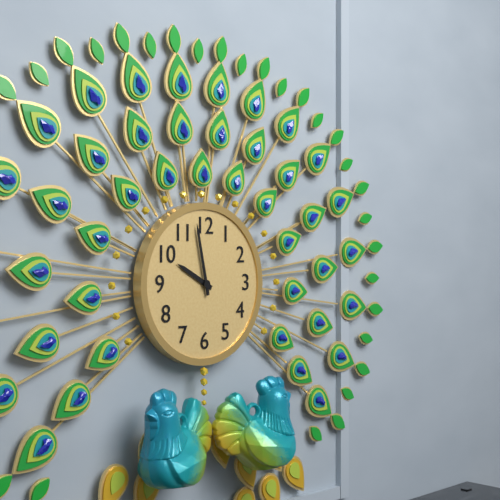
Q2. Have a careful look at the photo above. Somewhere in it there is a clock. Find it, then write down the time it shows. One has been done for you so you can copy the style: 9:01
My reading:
9:58
